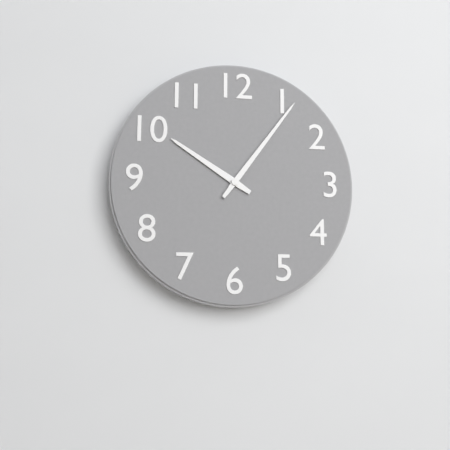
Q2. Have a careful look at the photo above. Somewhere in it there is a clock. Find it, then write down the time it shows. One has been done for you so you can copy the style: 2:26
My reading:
10:06
